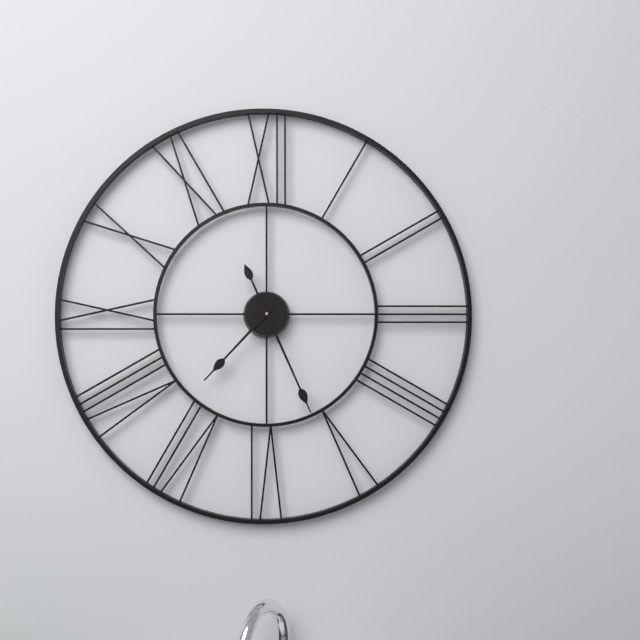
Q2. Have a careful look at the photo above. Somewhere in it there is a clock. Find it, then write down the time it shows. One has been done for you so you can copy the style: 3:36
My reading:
7:26
